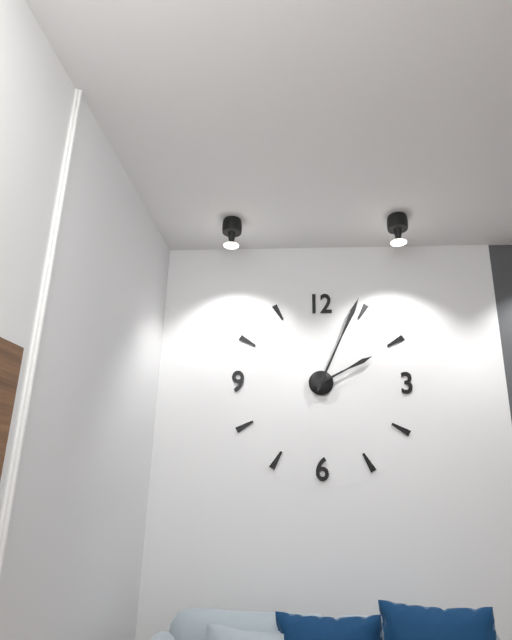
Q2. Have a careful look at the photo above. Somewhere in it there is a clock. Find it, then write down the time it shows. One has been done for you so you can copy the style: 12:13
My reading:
2:04
